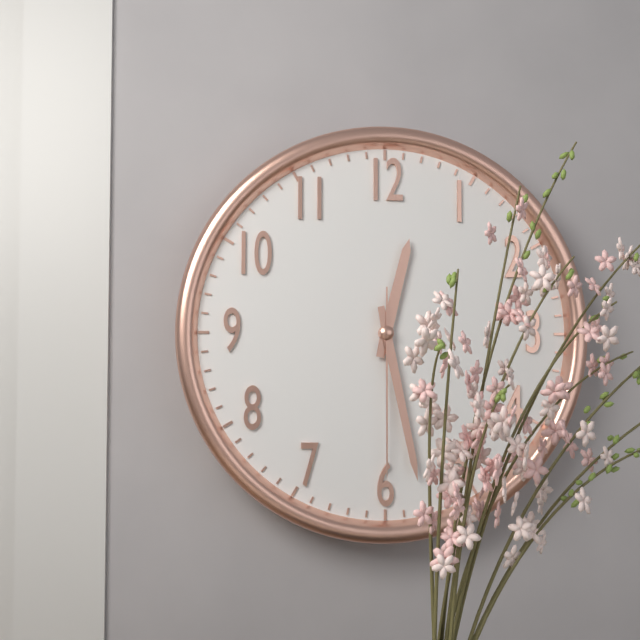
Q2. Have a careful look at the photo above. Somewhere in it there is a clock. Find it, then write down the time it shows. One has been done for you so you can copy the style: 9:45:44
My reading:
12:28:30
